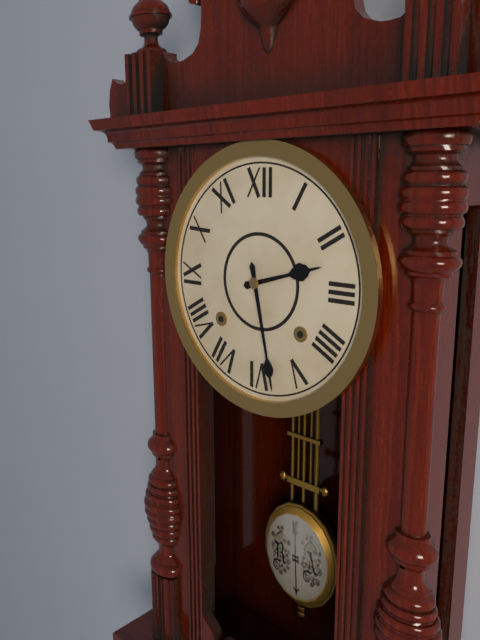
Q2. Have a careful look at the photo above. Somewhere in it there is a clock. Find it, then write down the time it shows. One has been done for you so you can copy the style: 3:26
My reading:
2:28
